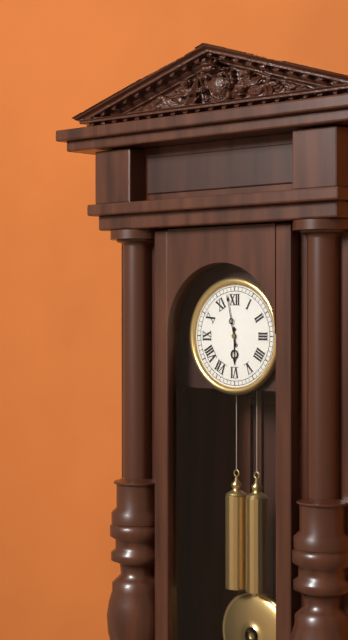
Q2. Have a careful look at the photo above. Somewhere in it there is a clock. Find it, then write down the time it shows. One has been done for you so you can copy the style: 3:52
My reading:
5:58
